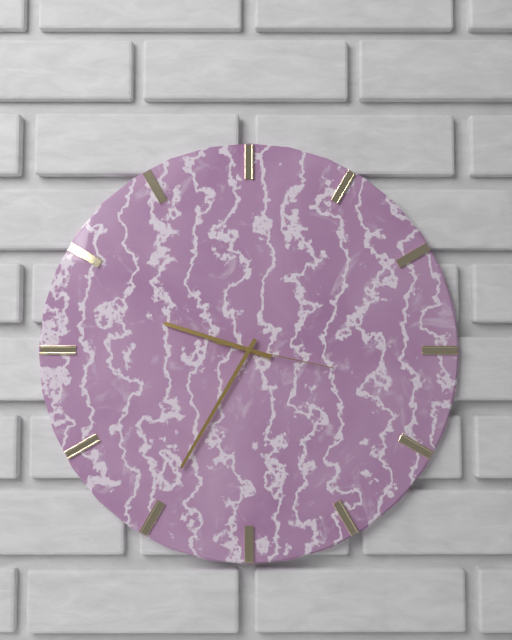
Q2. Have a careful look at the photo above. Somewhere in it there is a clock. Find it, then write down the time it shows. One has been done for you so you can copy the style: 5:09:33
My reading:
9:35:17
